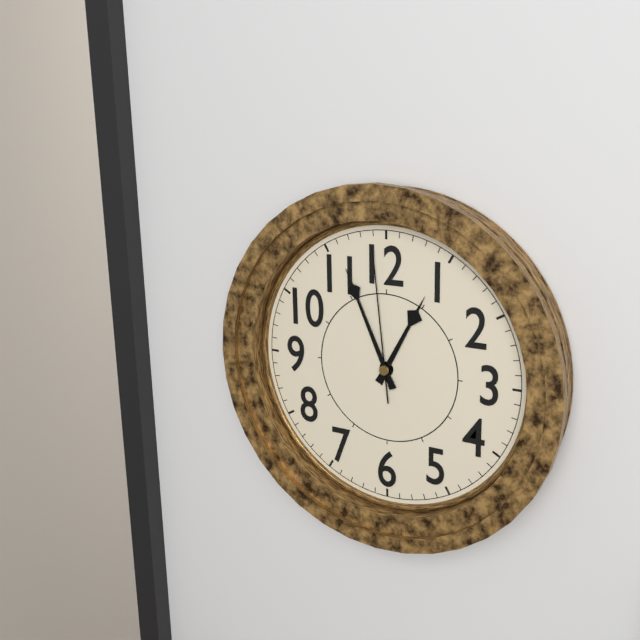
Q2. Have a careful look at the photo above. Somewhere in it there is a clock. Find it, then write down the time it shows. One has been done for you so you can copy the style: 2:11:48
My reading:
12:56:59
